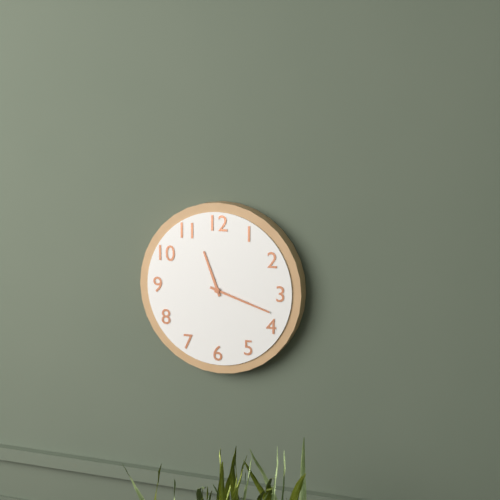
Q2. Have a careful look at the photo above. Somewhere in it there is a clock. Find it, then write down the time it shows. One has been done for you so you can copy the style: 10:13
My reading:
11:18
